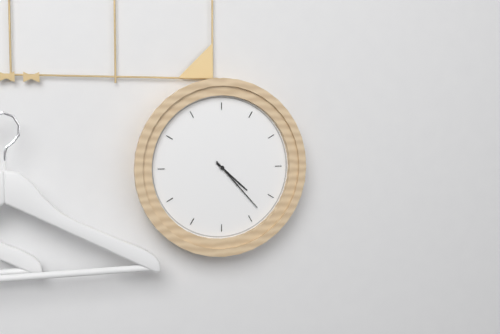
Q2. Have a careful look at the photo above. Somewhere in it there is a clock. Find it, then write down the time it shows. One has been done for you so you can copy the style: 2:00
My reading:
4:23
